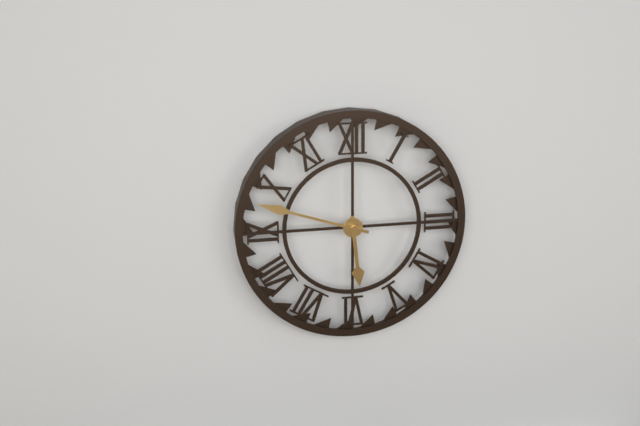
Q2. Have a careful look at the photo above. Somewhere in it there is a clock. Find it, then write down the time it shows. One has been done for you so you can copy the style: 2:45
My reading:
5:48
